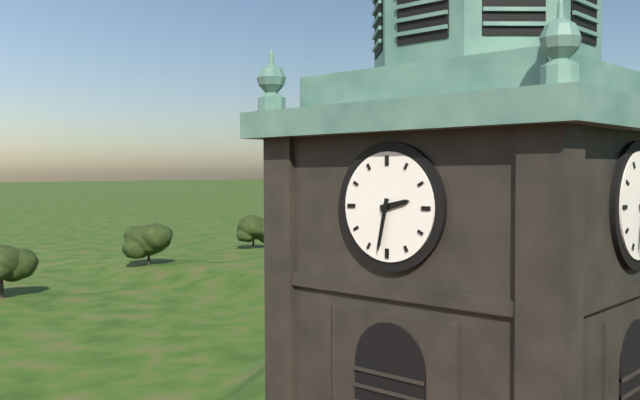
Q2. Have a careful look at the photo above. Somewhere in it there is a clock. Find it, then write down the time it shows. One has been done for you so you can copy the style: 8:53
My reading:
2:32
